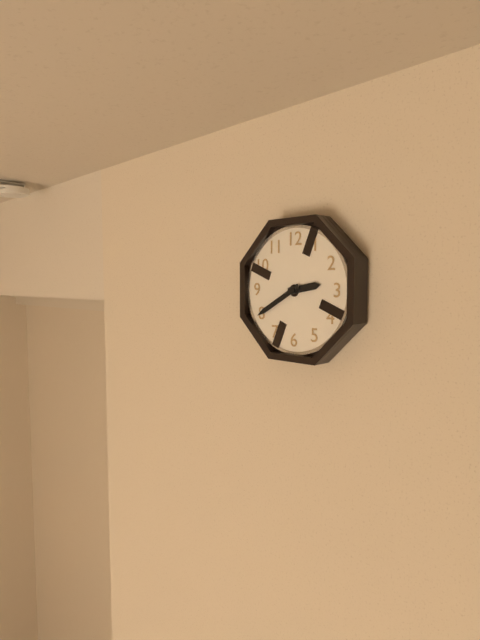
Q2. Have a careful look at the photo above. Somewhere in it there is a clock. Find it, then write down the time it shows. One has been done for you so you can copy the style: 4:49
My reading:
2:40
